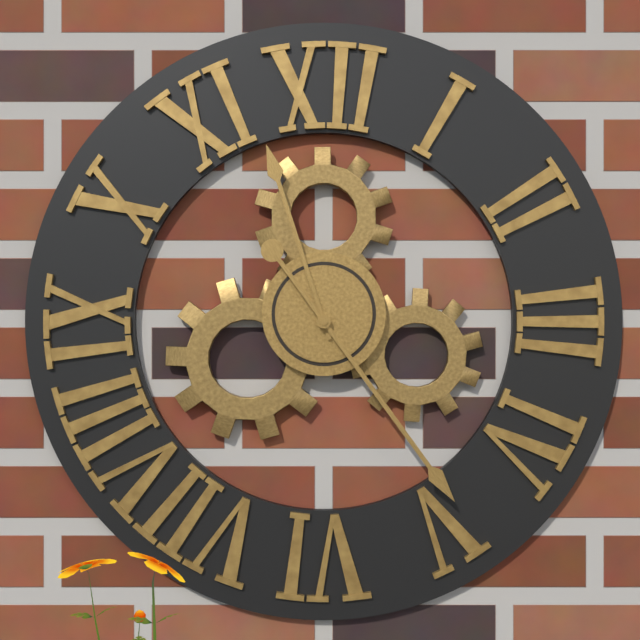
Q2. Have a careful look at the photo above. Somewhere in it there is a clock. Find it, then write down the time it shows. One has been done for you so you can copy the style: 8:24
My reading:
11:24
